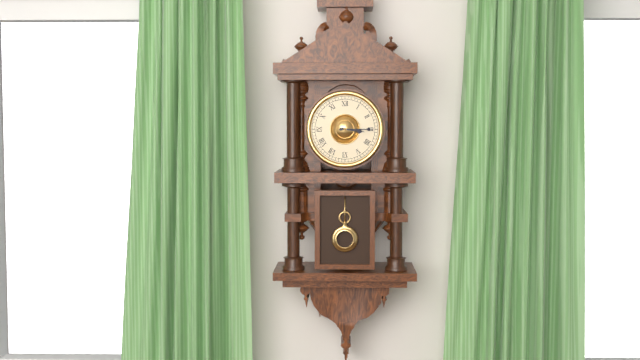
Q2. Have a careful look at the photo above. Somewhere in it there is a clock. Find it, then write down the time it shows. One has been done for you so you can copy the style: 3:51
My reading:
3:15
